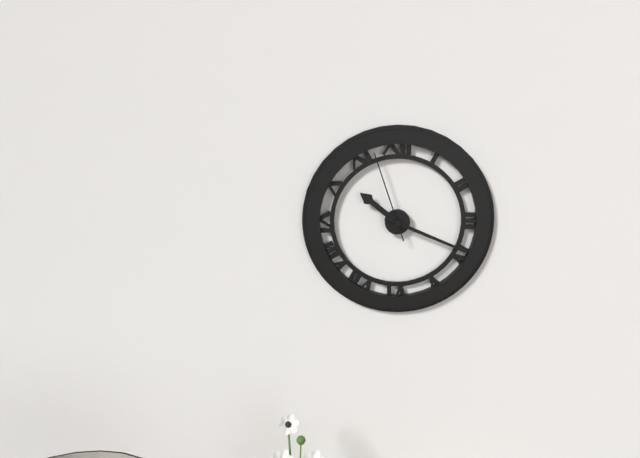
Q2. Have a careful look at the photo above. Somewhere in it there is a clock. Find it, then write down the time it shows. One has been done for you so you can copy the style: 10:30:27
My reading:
10:19:57
